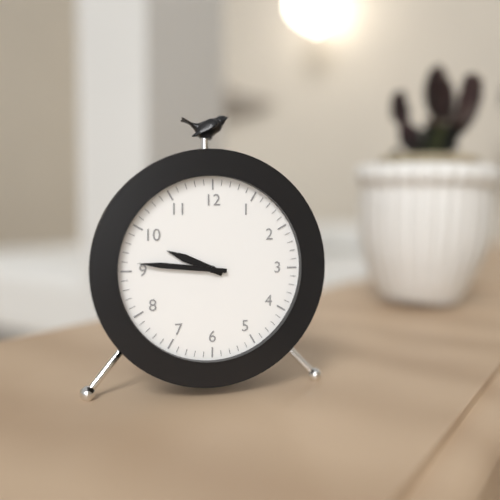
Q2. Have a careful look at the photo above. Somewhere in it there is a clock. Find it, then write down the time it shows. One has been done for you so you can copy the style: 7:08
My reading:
9:46
